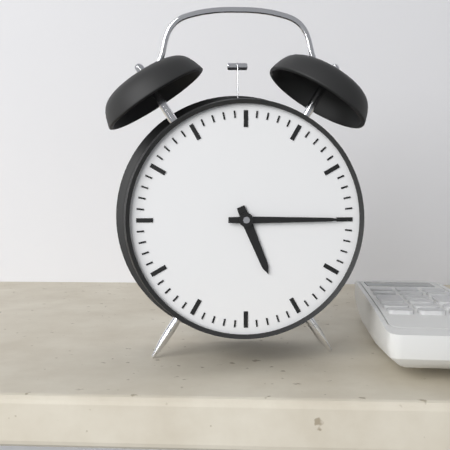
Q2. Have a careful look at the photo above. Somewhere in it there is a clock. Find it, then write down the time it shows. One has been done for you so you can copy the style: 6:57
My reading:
5:15
